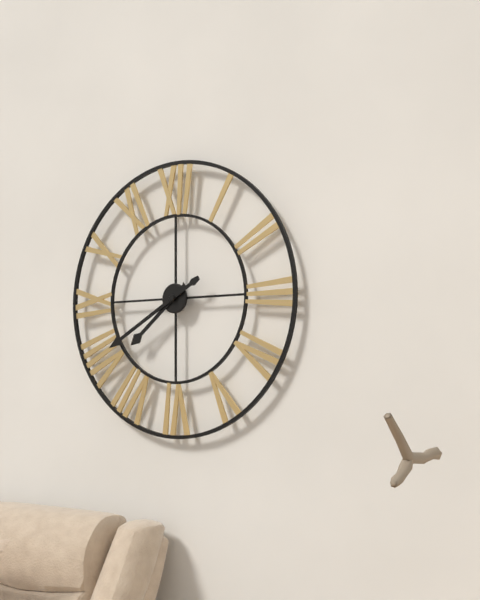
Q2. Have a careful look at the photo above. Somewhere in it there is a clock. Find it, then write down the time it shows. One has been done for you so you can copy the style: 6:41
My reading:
7:40
